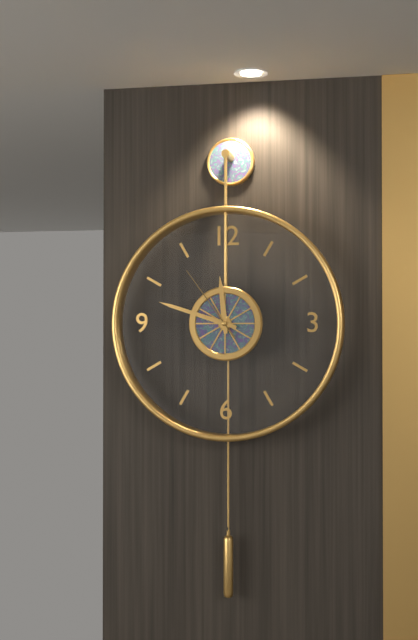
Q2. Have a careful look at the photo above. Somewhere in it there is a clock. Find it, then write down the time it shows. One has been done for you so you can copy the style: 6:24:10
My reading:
11:48:54
